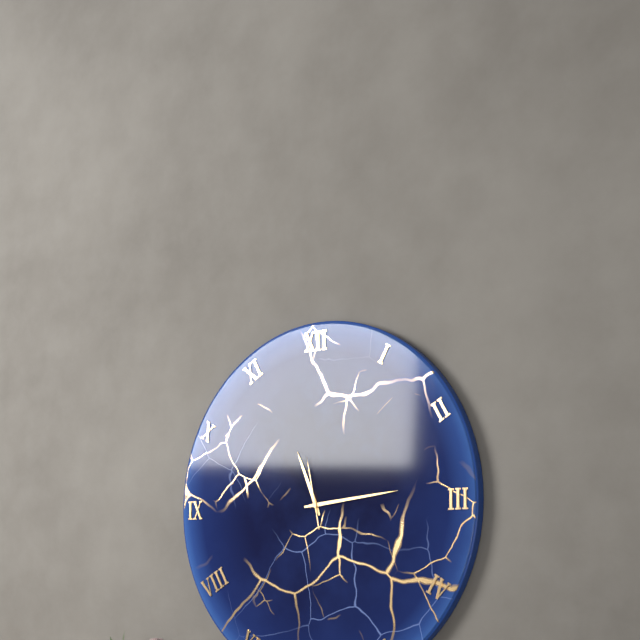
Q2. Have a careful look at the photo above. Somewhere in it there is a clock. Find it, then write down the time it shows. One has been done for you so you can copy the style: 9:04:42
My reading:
11:14:58
